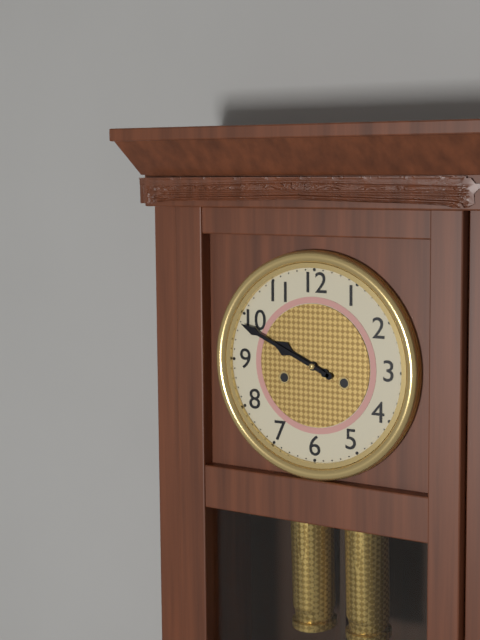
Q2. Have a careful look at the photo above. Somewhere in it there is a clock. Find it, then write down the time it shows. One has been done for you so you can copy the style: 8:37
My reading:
9:49
